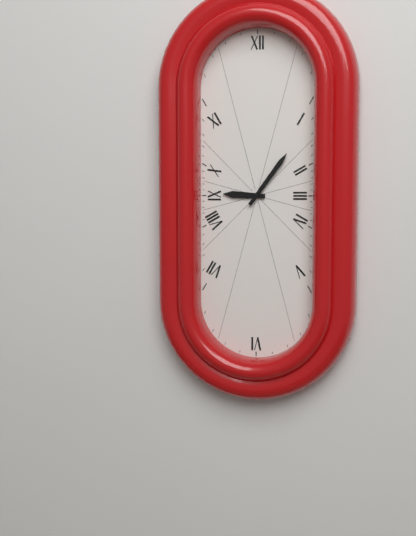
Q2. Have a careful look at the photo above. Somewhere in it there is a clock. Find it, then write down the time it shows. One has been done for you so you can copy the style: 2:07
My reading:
9:06
